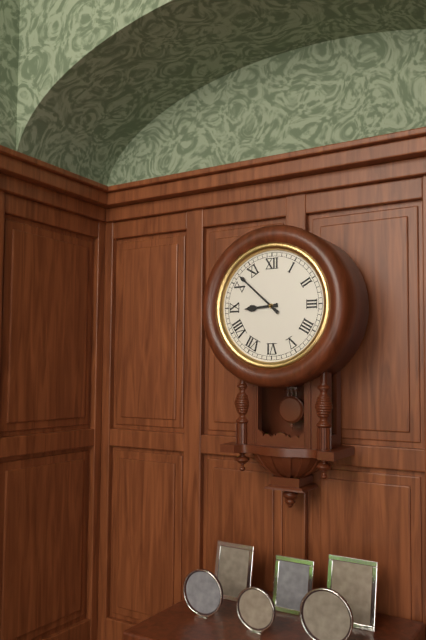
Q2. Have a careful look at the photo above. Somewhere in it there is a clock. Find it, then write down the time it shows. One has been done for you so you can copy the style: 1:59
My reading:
8:52
